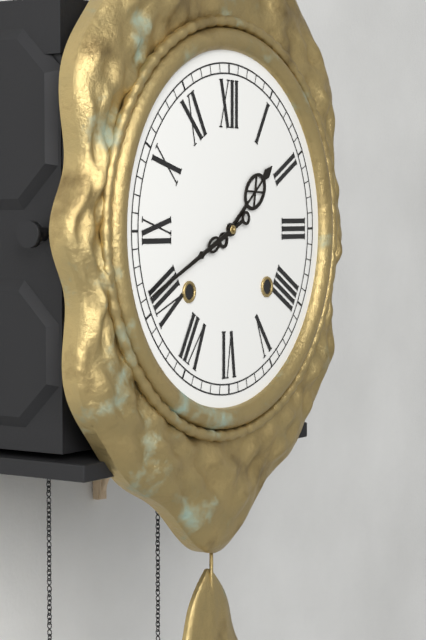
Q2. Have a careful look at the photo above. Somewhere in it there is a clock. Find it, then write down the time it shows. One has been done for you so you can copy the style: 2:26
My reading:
1:41
